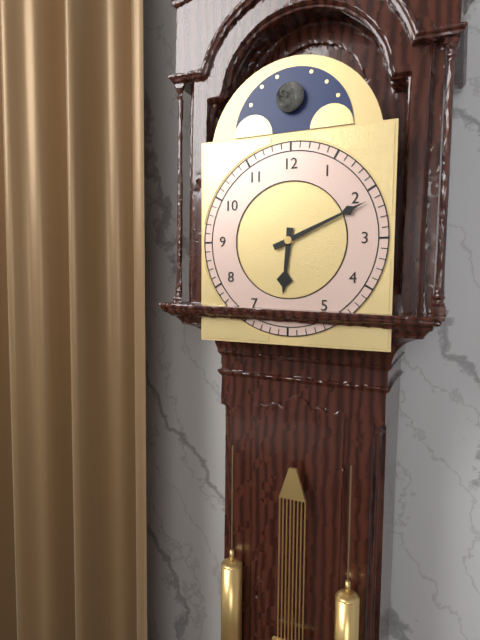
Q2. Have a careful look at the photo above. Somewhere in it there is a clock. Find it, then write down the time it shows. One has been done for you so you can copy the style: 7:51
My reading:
6:11
